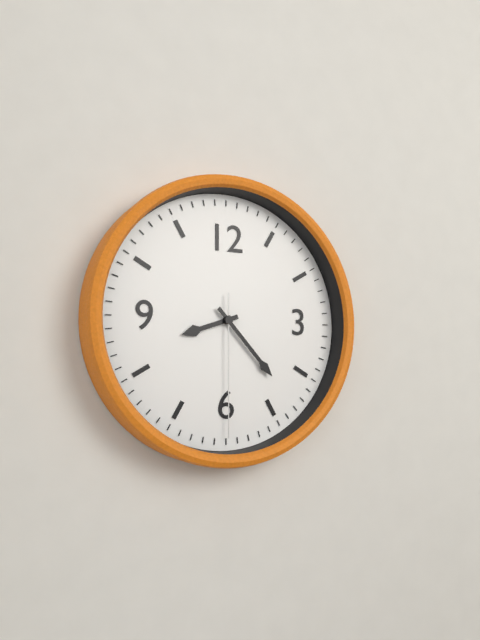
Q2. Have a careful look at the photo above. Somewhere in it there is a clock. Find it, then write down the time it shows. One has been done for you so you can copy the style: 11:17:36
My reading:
8:23:30
